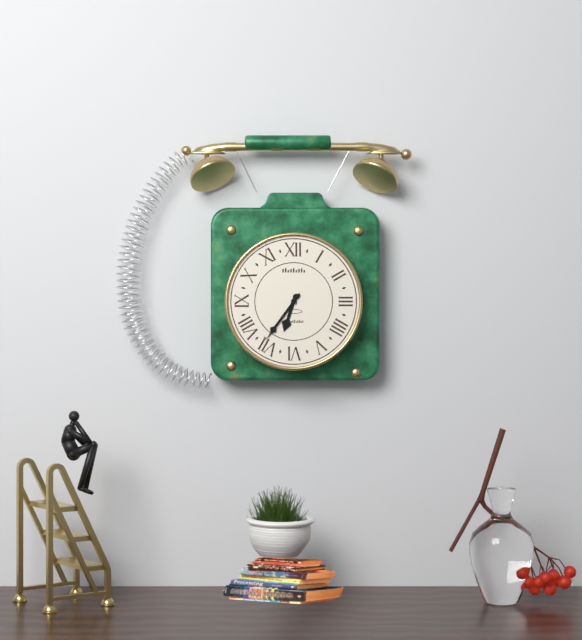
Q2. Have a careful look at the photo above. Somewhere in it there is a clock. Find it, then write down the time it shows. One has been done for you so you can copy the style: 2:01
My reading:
6:36
